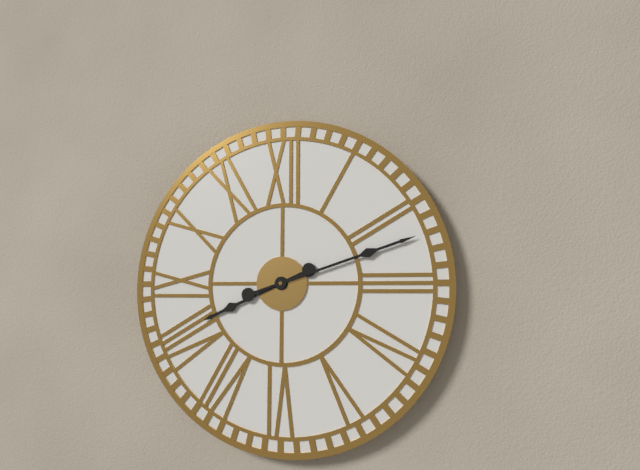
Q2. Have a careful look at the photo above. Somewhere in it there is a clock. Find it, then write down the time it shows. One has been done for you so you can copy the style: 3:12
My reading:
8:12
